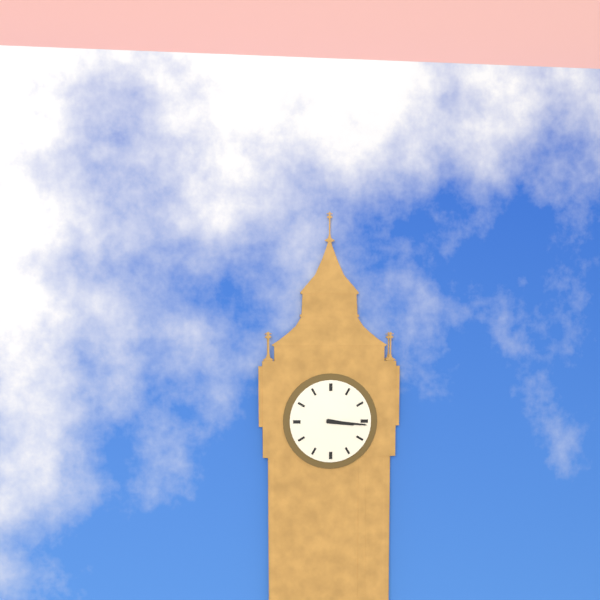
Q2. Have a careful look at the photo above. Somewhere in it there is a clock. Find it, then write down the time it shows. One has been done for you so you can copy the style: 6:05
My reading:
3:16
